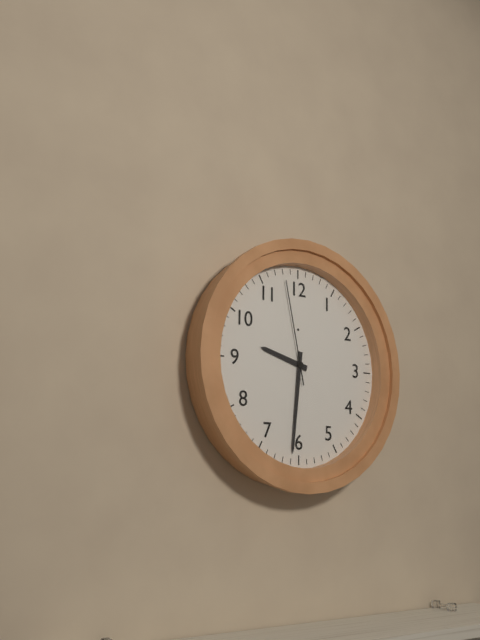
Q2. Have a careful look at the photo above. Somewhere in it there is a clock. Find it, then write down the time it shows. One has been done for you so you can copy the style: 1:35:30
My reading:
9:31:58
